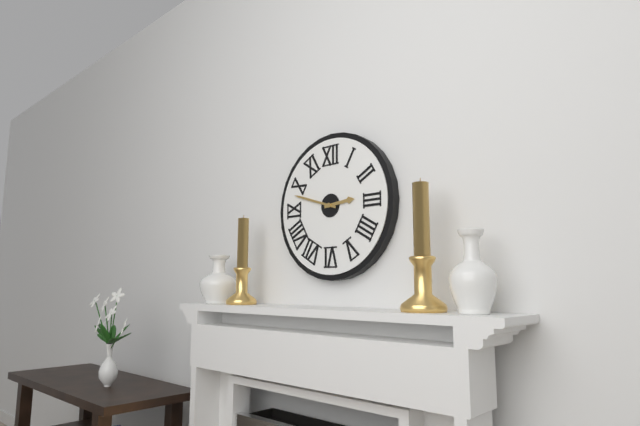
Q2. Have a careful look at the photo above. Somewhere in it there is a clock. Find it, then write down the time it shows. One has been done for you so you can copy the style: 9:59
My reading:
2:48
